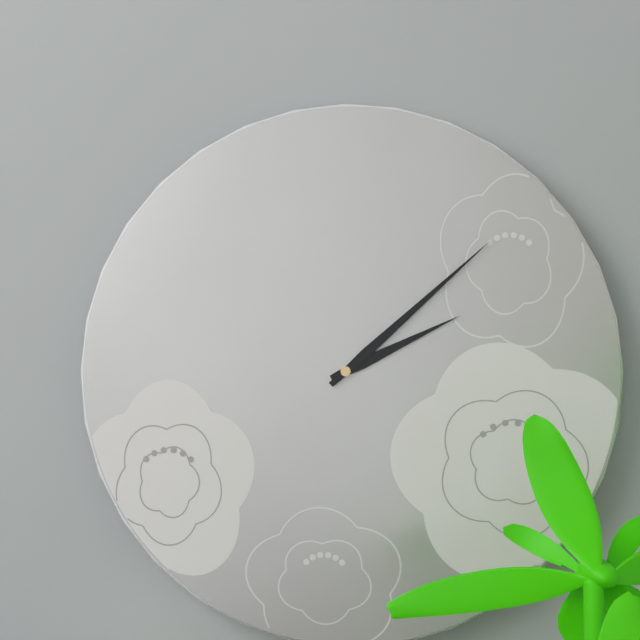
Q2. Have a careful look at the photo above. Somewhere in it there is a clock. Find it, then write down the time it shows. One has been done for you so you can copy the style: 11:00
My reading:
2:08
